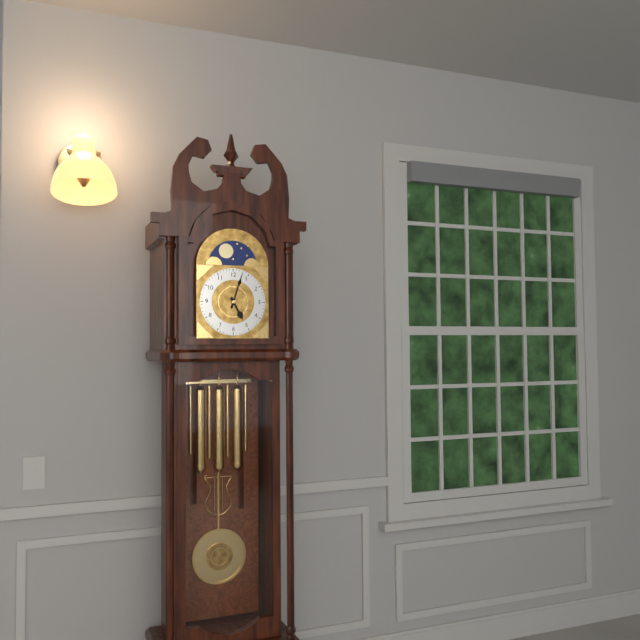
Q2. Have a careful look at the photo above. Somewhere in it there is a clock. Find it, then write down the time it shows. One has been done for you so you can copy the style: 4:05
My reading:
5:03
